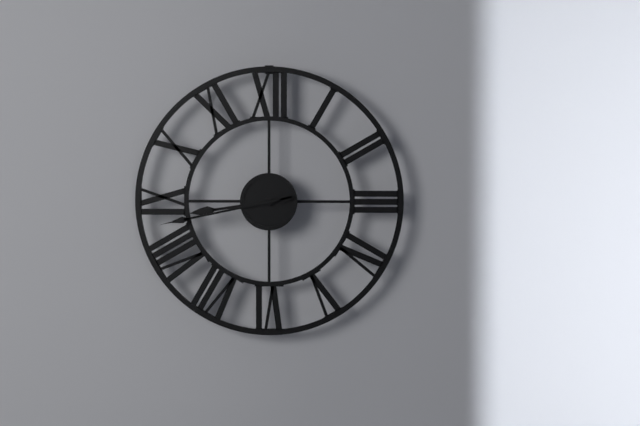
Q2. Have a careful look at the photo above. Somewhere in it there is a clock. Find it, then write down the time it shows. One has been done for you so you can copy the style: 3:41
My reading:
8:43
